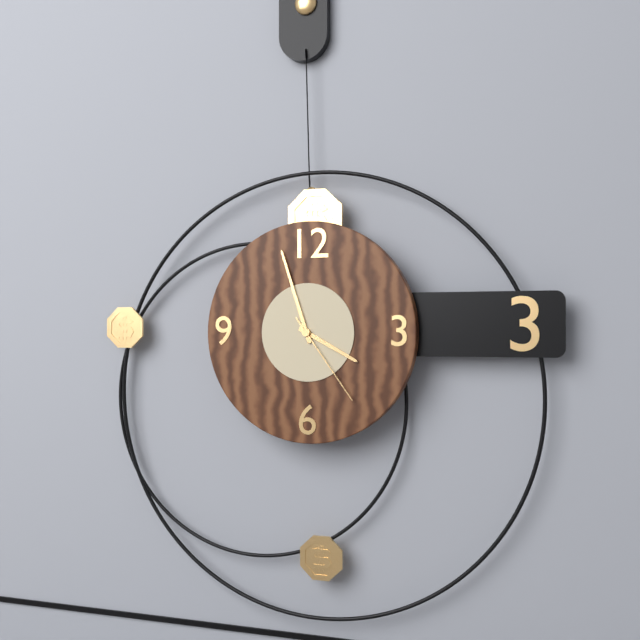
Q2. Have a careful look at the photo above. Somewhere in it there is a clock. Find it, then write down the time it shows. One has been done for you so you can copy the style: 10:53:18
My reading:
3:57:24
